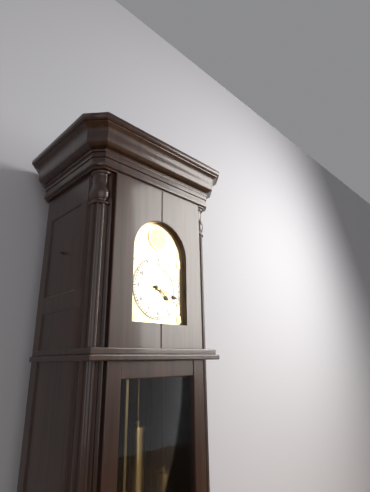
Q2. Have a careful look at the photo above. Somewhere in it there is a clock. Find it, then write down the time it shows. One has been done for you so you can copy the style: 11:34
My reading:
4:18
